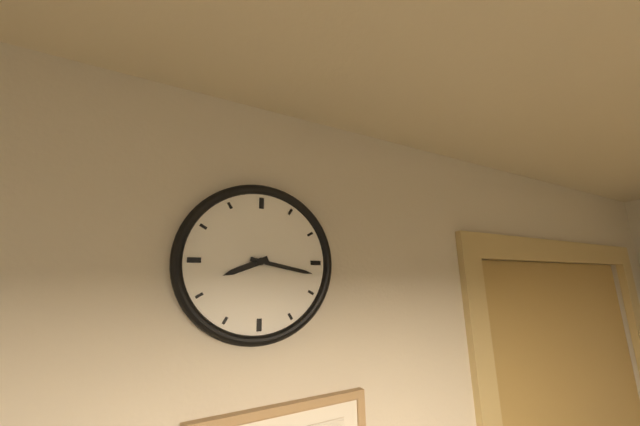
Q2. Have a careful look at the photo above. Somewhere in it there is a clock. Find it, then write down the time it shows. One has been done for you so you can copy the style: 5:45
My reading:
8:17
